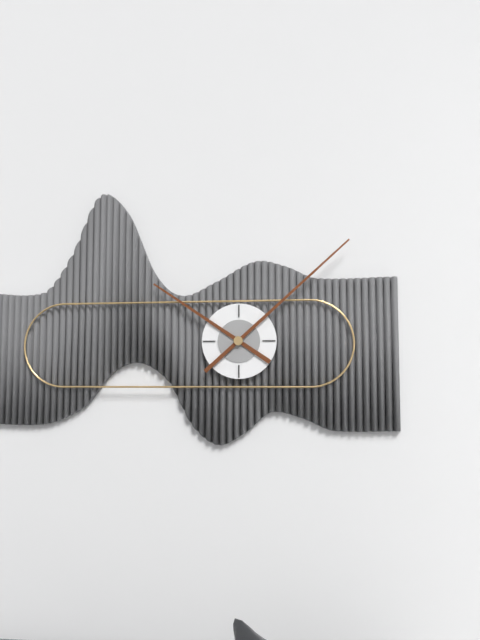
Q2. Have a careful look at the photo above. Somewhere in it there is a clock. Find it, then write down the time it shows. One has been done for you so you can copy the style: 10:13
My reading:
10:08
